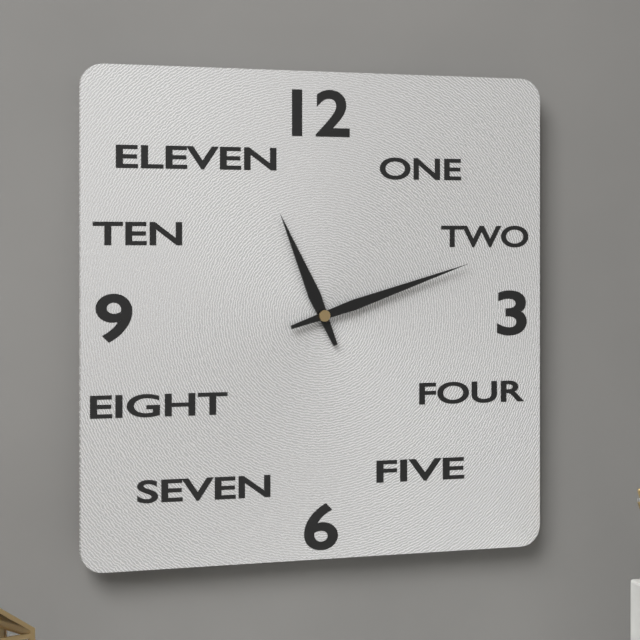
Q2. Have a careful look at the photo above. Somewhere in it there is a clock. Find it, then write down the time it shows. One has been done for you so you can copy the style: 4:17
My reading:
11:12
